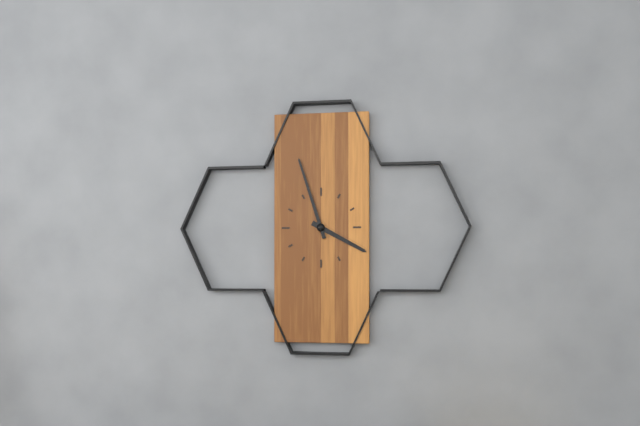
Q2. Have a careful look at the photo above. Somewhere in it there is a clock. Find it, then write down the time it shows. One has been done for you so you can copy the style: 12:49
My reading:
3:57
